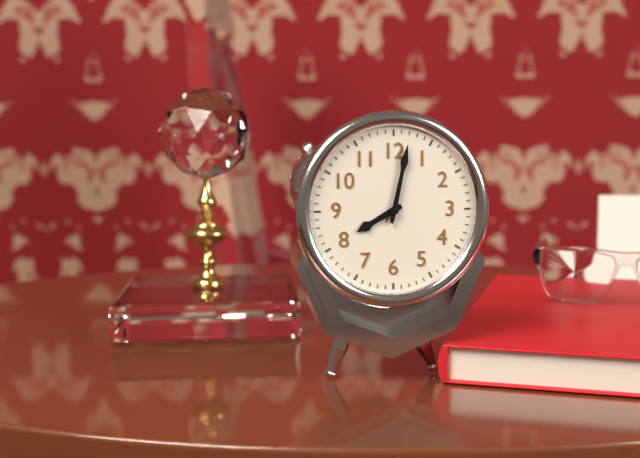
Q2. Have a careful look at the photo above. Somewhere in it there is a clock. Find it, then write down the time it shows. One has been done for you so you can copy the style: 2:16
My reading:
8:02
